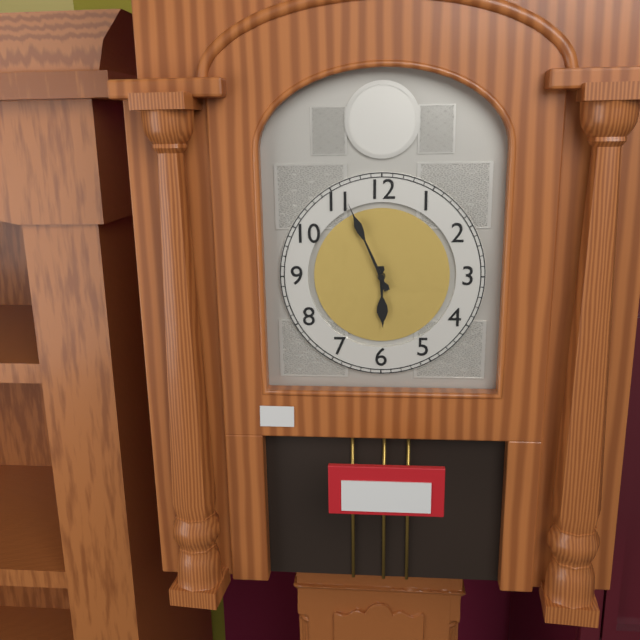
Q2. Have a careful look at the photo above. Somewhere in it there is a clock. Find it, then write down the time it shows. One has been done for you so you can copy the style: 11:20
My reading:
5:56
